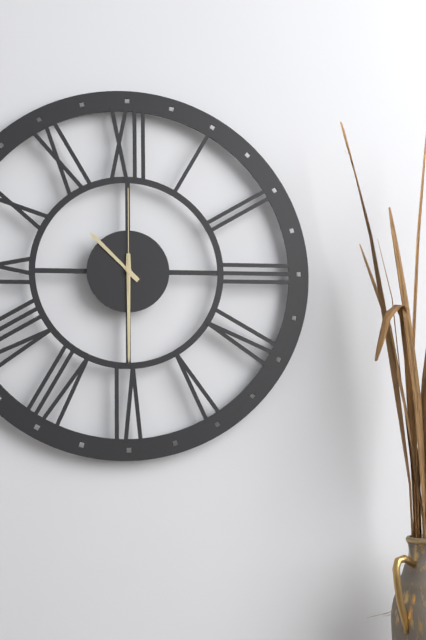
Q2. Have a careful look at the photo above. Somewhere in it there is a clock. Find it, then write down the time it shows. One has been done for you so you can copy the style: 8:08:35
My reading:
10:30:00
